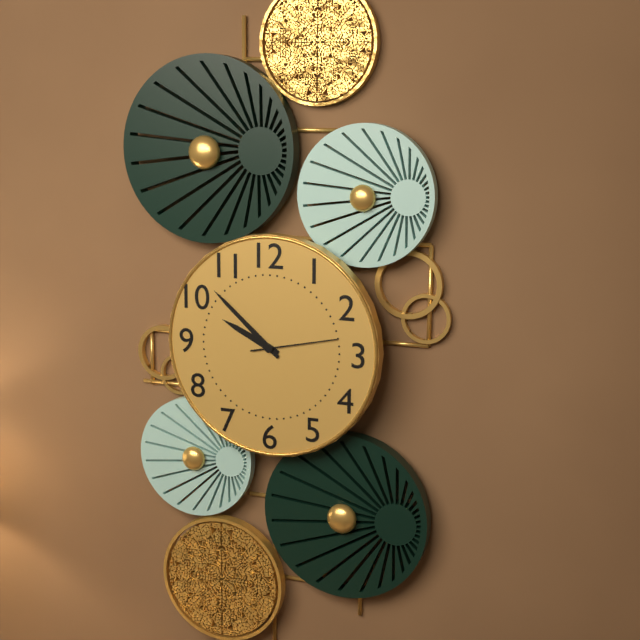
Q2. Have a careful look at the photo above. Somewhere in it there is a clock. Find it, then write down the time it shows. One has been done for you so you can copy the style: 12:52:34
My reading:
9:52:13
